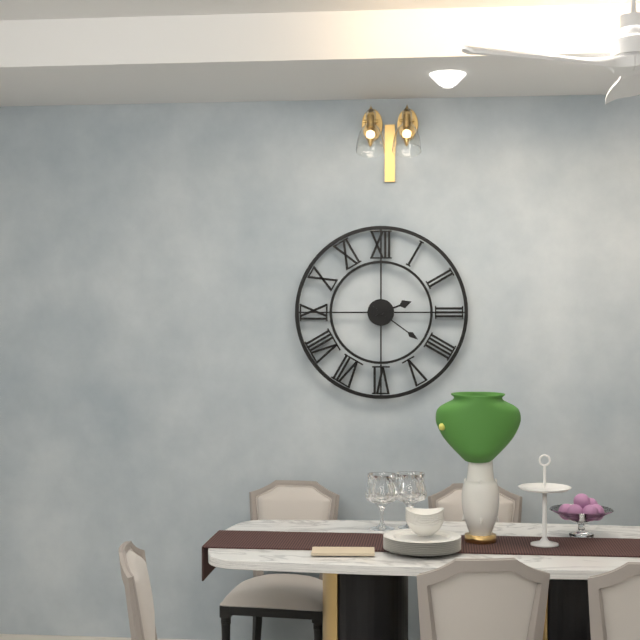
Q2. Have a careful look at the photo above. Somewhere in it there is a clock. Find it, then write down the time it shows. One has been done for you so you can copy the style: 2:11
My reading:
2:21
